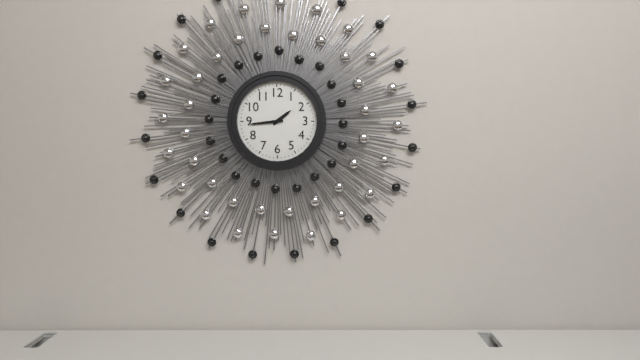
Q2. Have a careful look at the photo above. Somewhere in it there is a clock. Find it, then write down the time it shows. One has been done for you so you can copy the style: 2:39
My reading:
1:44
